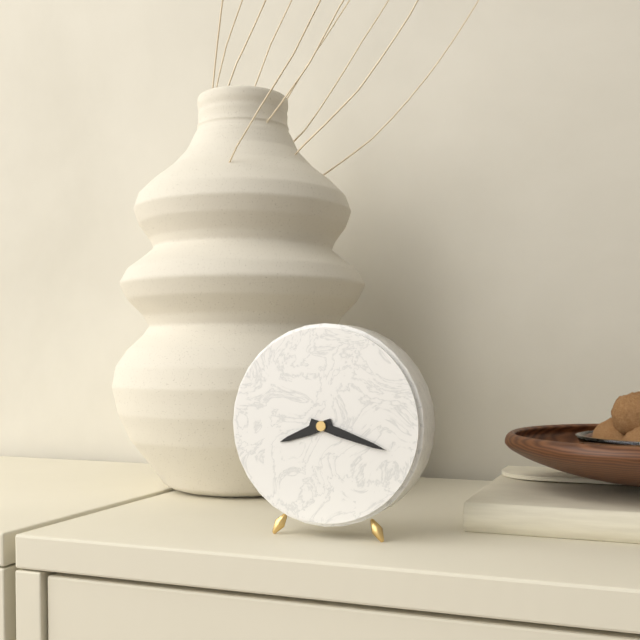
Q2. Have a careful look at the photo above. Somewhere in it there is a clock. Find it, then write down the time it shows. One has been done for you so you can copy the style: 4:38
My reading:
8:18
